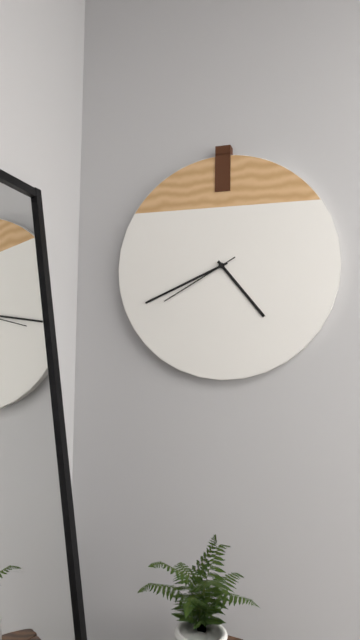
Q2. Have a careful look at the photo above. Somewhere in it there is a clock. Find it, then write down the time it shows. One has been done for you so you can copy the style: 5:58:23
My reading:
4:41:40
